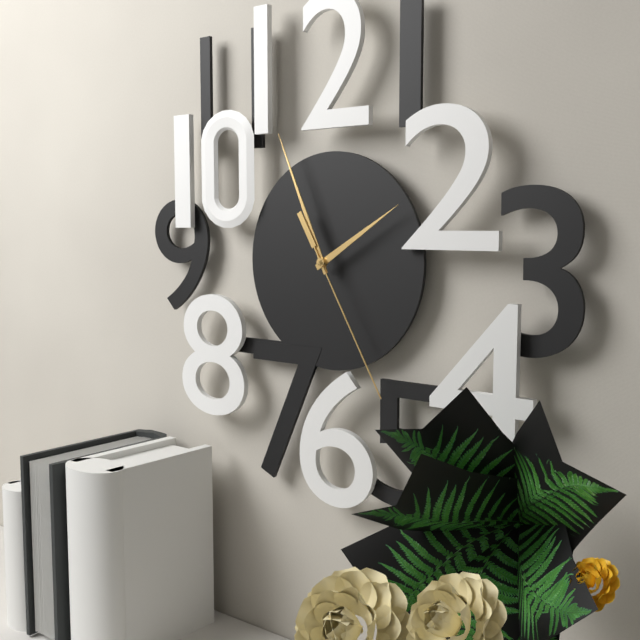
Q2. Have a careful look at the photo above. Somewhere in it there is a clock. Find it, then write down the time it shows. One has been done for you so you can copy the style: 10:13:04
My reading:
1:56:25
